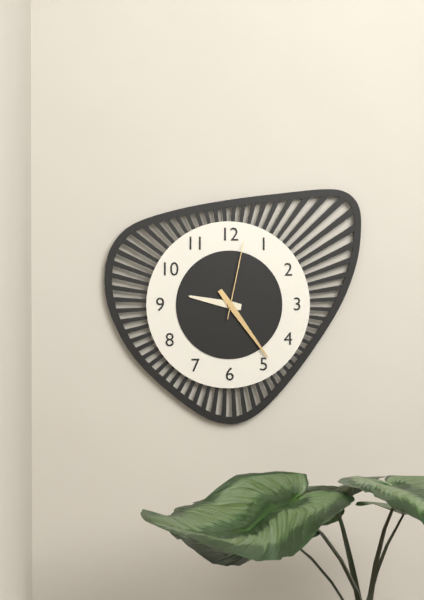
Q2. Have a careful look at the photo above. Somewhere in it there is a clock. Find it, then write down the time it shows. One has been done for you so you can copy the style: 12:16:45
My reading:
9:24:02
